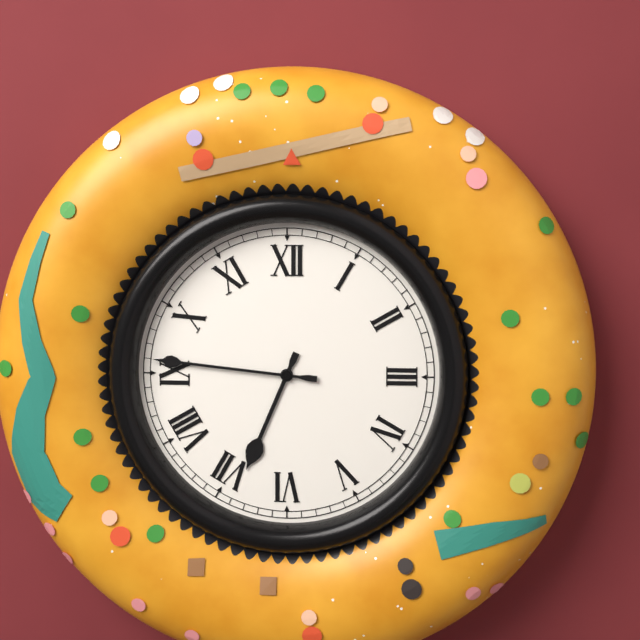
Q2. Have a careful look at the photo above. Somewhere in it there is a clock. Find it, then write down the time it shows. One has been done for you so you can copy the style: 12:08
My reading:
6:46
